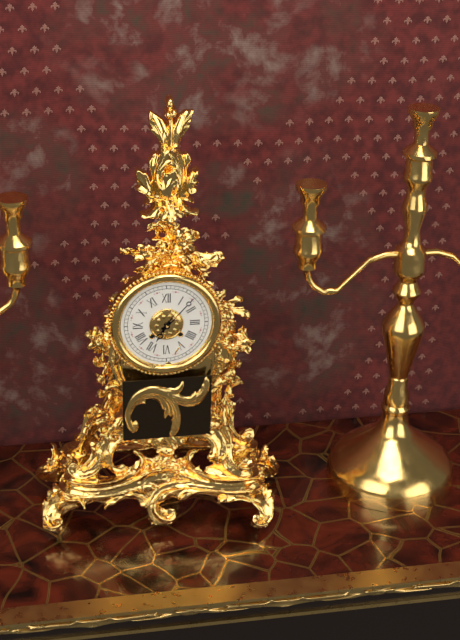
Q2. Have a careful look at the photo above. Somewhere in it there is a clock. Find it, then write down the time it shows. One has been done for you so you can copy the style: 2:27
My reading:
7:07
